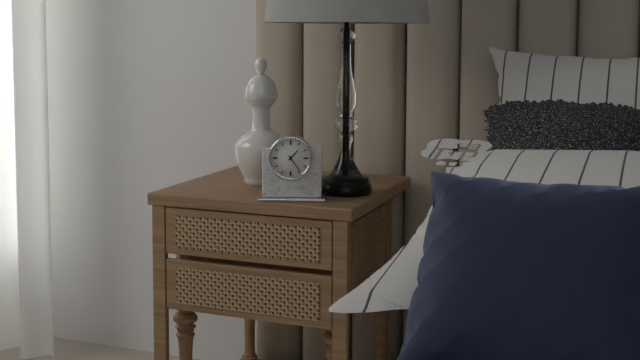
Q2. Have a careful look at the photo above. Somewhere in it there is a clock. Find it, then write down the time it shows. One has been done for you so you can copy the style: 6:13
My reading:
1:24
